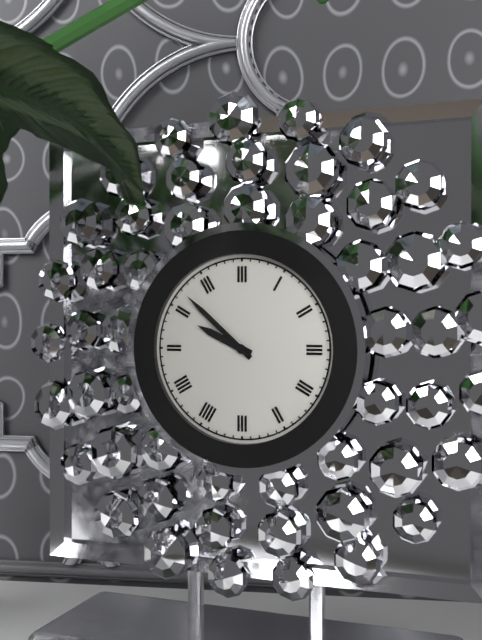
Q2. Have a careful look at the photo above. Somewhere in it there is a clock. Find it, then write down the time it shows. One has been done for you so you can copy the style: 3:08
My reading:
9:52
